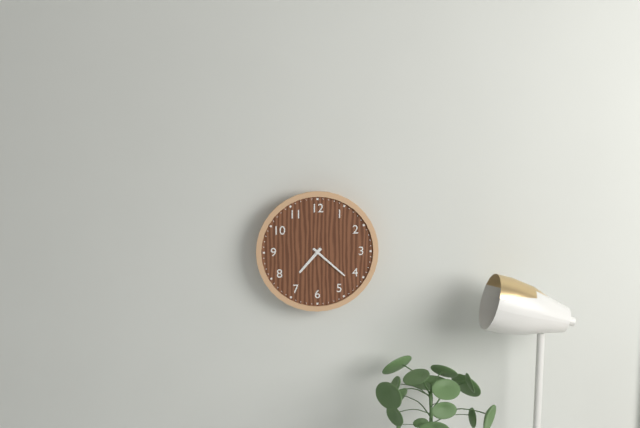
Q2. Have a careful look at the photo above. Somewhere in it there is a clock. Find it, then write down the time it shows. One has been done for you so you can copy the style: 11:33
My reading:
7:22
